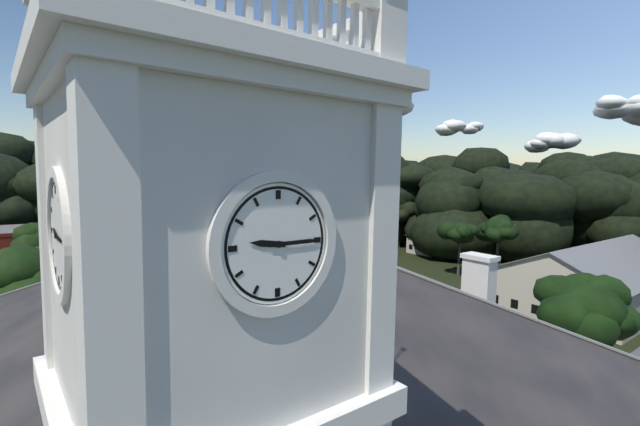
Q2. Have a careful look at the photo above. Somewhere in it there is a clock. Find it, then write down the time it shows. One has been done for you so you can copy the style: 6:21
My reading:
9:15
